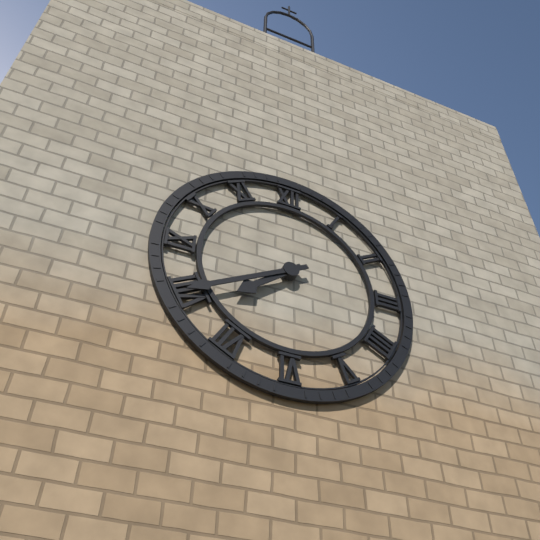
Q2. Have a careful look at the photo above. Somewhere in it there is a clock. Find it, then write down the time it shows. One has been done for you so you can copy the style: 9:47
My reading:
7:40
